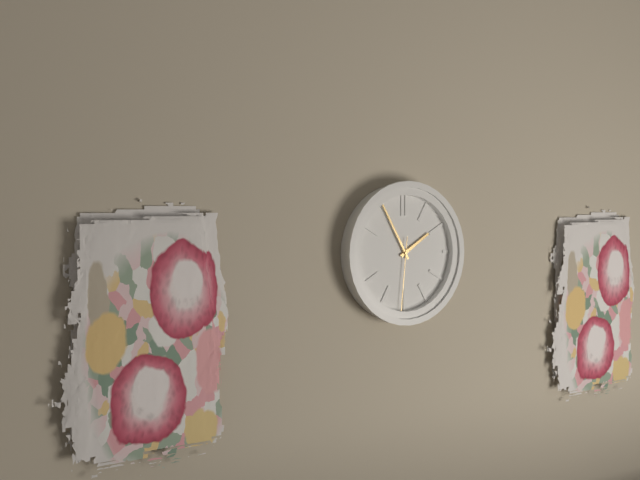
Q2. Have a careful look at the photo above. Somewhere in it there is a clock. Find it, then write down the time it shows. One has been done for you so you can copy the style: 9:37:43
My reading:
1:55:31
